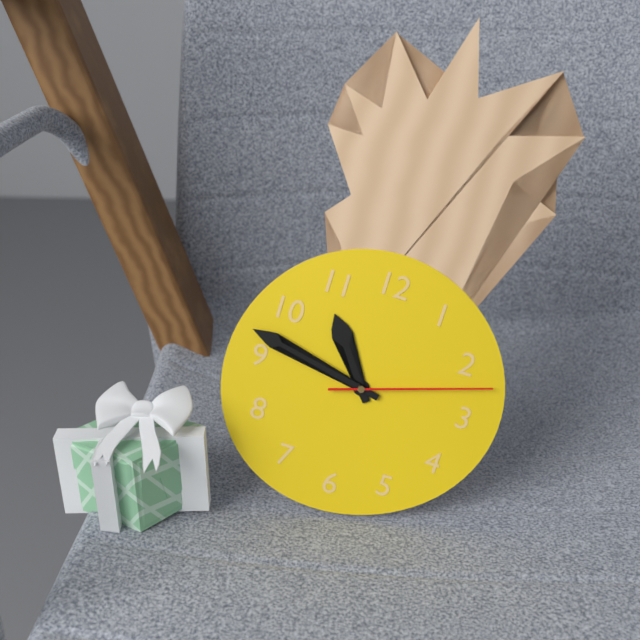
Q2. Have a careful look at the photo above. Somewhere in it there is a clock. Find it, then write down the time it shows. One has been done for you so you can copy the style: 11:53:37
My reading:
10:47:12
